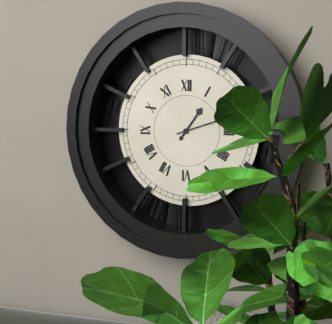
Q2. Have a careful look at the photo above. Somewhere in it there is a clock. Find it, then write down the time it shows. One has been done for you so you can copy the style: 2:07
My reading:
1:12
